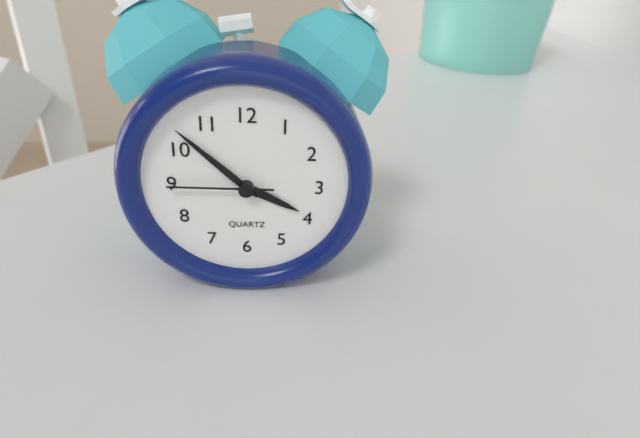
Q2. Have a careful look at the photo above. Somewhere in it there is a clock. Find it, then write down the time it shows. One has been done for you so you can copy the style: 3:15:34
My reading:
3:52:45
